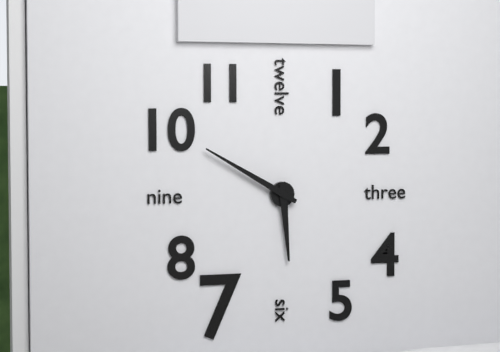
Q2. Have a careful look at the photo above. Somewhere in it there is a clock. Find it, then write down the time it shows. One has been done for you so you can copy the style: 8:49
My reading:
5:50
